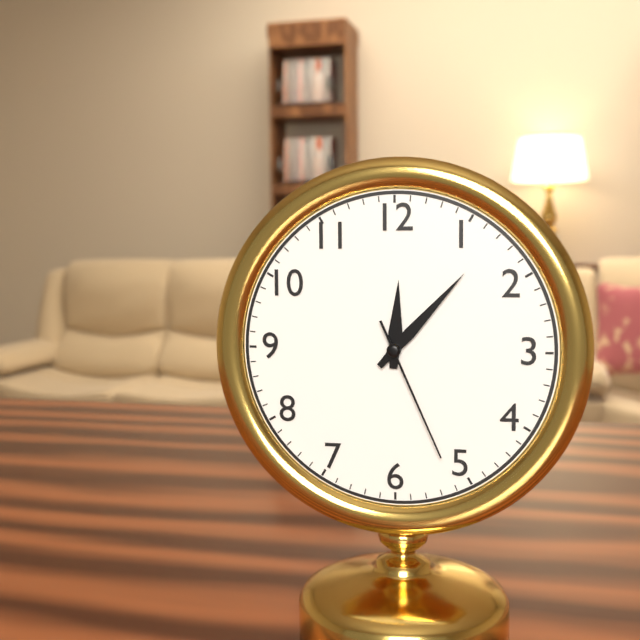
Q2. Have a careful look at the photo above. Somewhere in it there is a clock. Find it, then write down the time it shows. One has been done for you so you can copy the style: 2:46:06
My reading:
12:07:26
